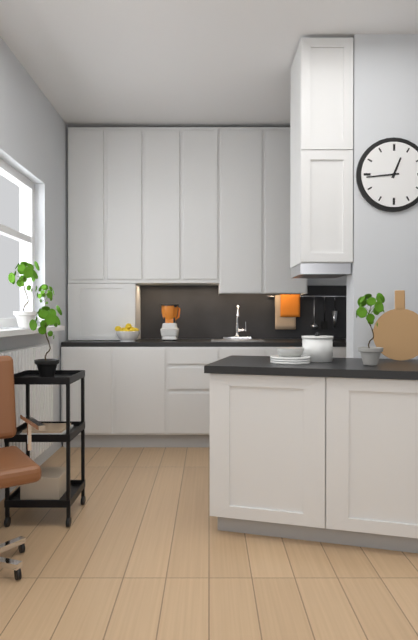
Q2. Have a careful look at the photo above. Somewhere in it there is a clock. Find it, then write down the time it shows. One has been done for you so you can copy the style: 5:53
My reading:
12:44
